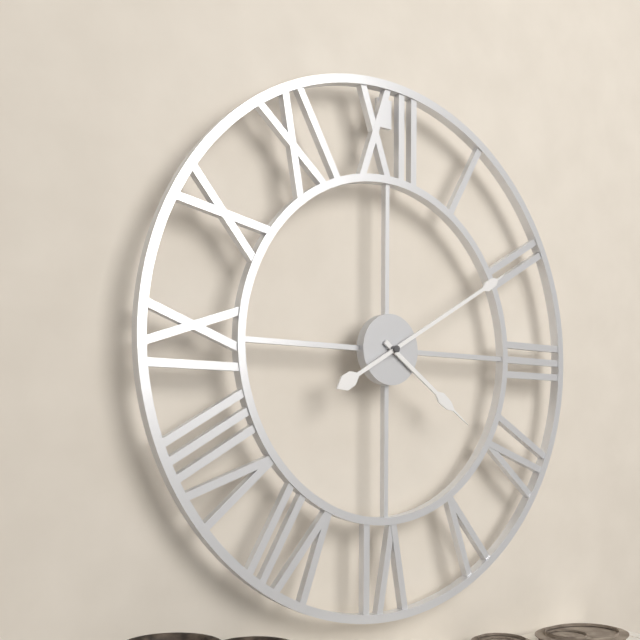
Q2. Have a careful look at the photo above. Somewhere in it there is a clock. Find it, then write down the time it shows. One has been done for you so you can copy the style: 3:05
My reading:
4:10
